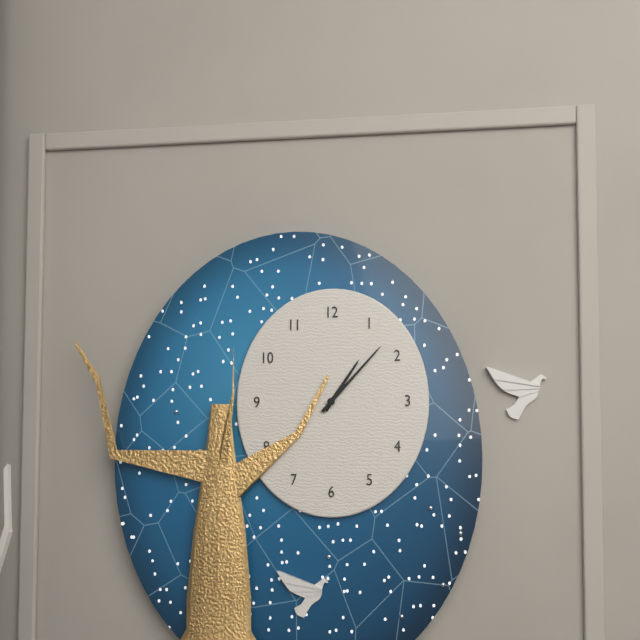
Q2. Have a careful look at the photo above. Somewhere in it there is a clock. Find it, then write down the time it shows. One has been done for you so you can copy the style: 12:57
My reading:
1:07
